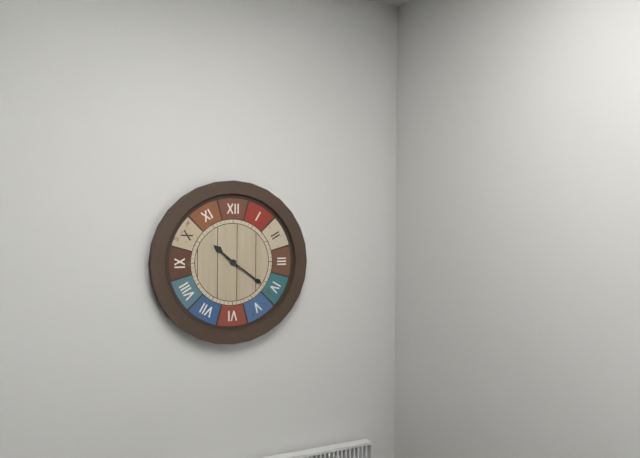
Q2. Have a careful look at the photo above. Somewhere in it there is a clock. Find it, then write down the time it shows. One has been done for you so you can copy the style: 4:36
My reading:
10:21
